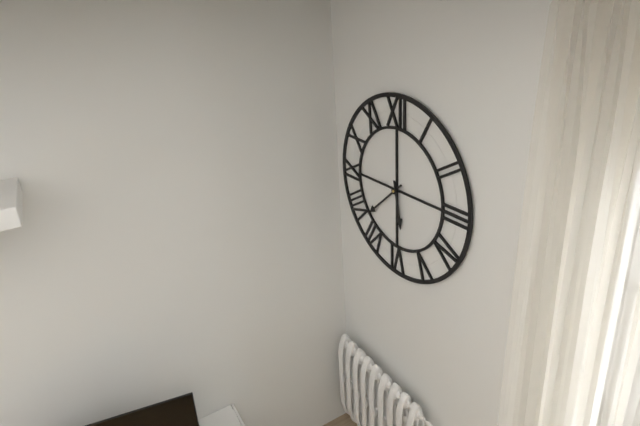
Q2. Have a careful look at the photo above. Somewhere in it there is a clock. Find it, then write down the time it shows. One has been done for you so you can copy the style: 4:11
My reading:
5:38
